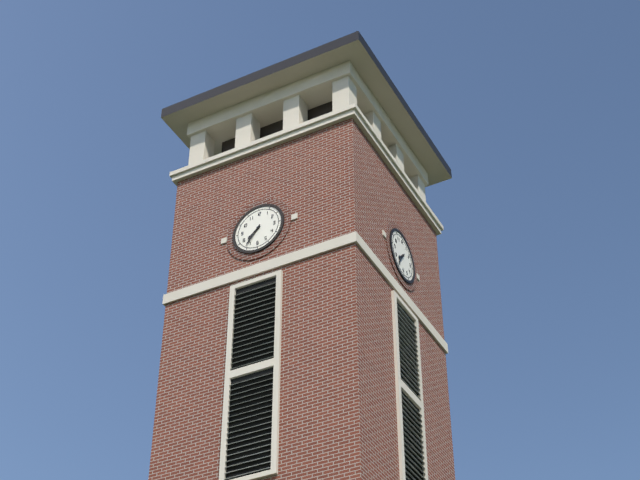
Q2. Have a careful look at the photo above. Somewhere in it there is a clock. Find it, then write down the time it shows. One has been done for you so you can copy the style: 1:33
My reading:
7:36
